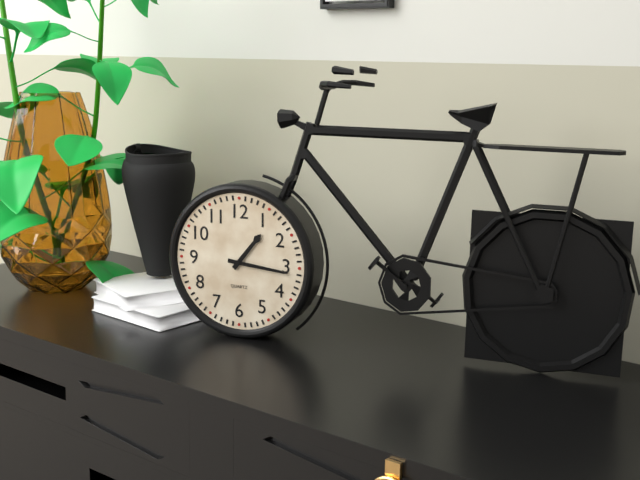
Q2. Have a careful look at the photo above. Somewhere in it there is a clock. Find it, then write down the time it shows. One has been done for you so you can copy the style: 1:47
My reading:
1:16
